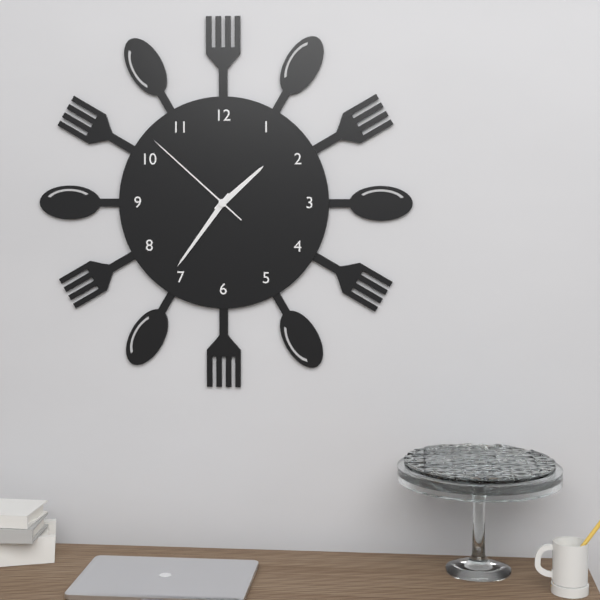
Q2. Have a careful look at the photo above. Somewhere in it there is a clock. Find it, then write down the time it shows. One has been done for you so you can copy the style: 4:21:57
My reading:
1:36:52
